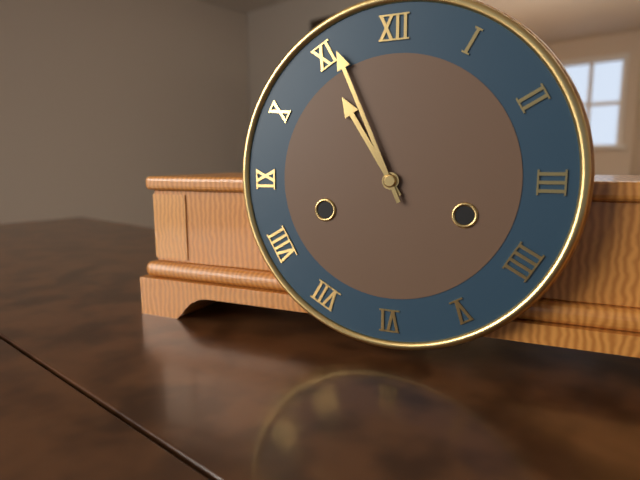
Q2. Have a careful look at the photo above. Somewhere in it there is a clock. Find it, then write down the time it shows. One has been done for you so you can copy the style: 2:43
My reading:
10:56
